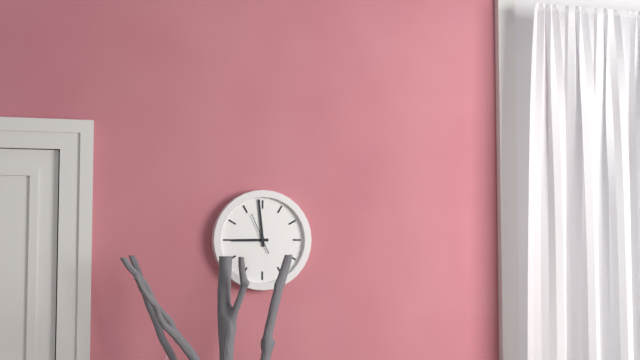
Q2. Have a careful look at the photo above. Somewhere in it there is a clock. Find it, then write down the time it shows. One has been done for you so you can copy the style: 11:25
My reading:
8:59
